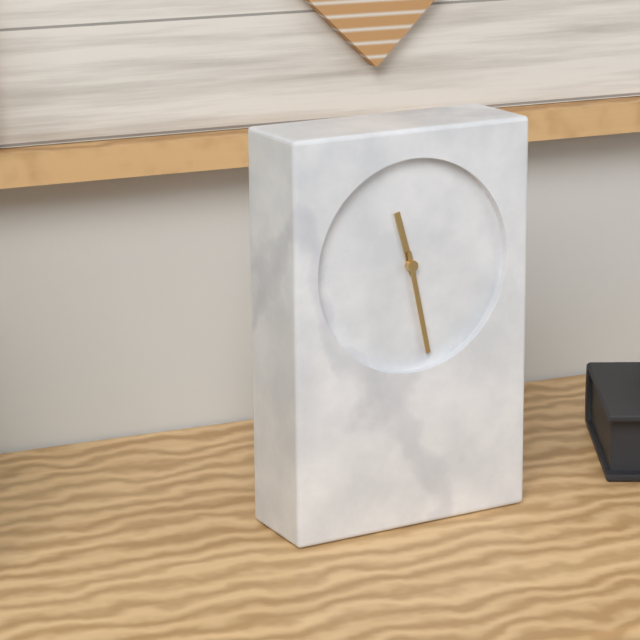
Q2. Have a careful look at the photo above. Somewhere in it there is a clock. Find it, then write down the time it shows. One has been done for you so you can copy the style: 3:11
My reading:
11:28
